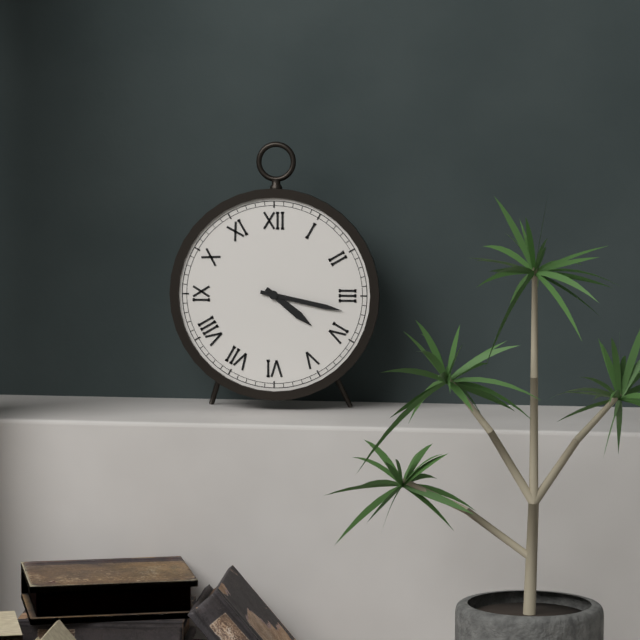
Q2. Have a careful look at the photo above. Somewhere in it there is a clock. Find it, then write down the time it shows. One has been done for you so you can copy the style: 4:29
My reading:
4:17
